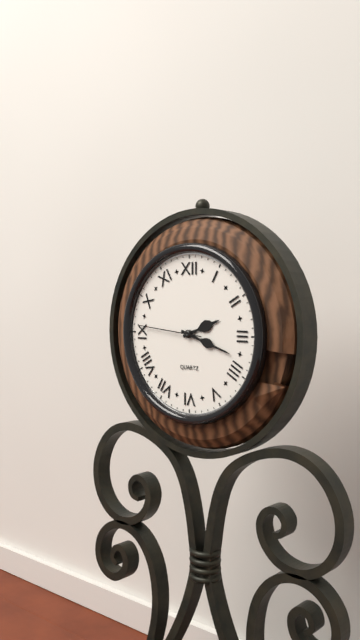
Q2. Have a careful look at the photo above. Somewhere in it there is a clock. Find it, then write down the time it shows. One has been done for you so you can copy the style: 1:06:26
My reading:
2:18:46
